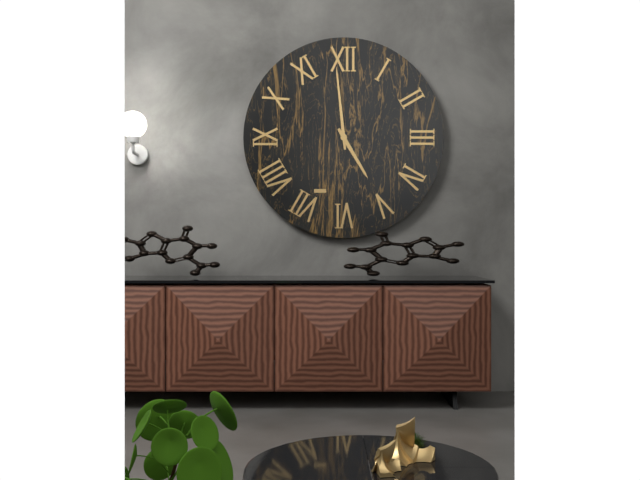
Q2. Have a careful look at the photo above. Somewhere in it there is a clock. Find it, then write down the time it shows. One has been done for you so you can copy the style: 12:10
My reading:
4:59
